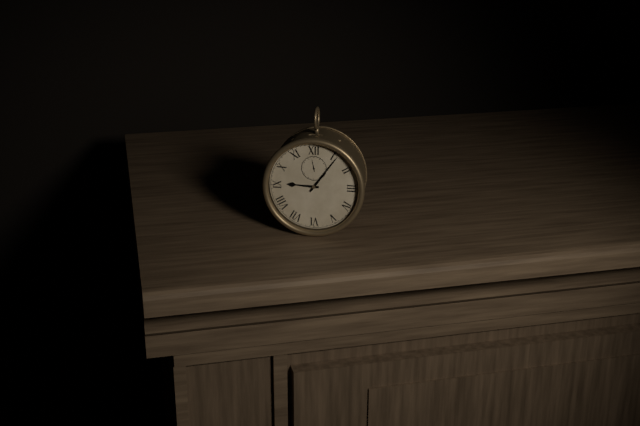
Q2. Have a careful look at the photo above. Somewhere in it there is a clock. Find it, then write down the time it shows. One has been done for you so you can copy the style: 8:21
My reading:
9:06
